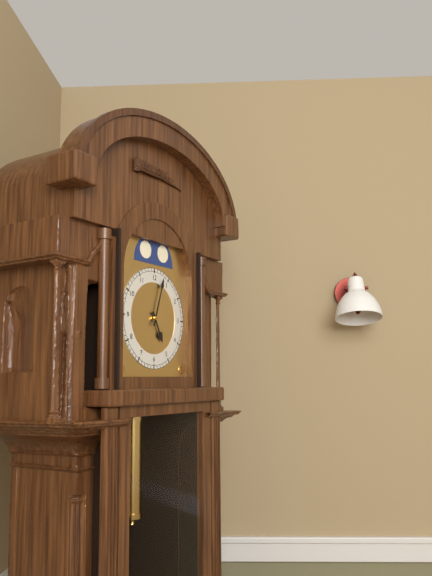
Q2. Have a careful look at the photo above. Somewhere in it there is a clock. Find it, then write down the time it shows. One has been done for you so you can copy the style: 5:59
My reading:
5:03
